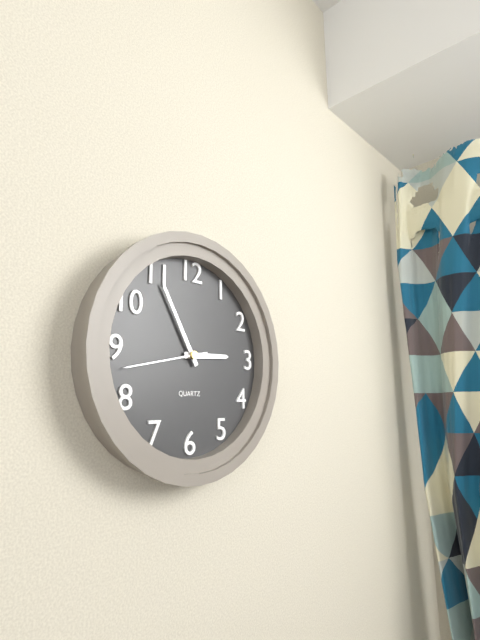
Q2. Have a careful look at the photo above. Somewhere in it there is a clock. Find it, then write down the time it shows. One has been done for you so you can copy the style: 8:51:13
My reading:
2:55:43
